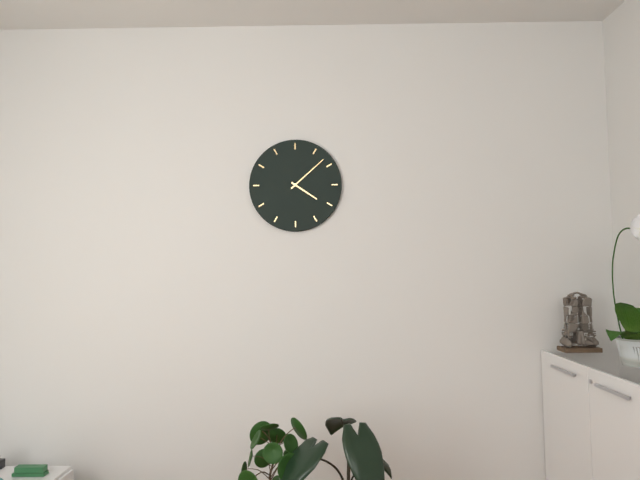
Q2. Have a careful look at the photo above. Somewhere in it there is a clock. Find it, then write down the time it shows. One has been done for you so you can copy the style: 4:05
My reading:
4:08
